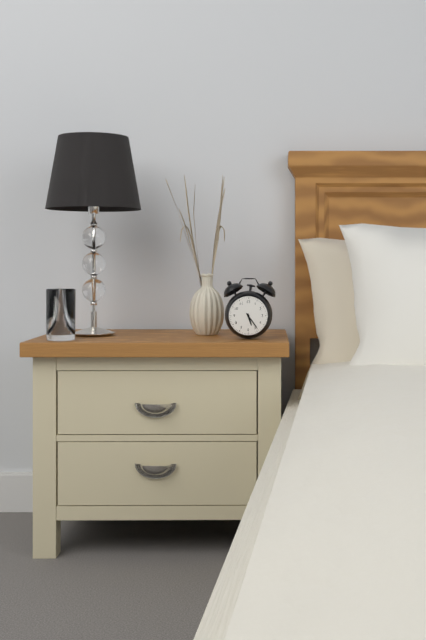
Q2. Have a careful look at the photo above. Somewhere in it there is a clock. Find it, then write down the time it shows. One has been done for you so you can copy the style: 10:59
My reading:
5:24
